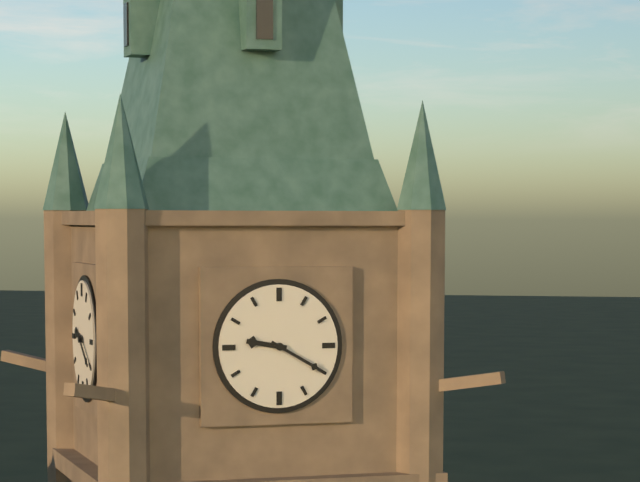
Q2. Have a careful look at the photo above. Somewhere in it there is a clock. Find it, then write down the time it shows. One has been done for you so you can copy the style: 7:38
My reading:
9:20
